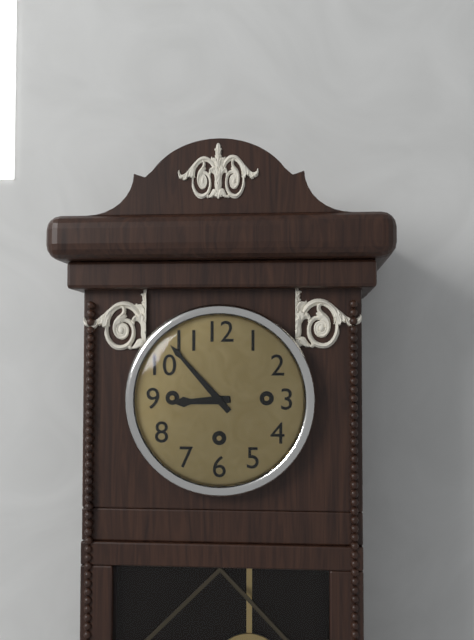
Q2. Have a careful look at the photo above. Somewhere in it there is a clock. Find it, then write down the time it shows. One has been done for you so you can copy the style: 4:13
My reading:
8:53
